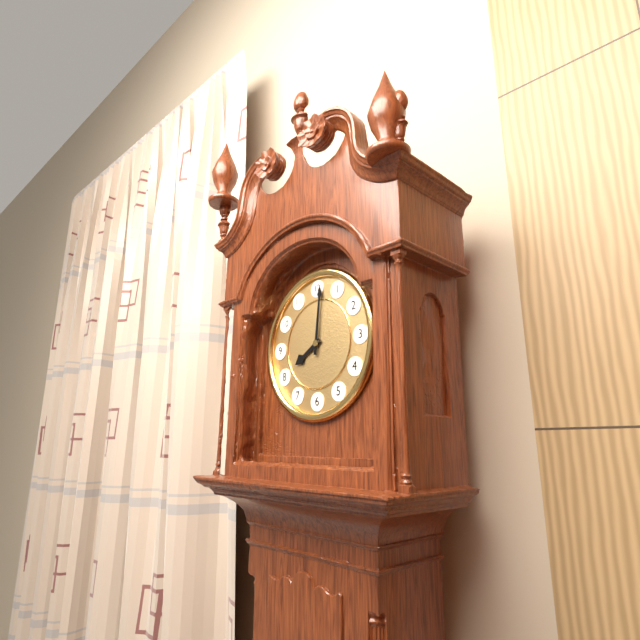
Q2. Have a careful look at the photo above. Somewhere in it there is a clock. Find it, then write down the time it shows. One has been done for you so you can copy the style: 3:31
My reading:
8:01
